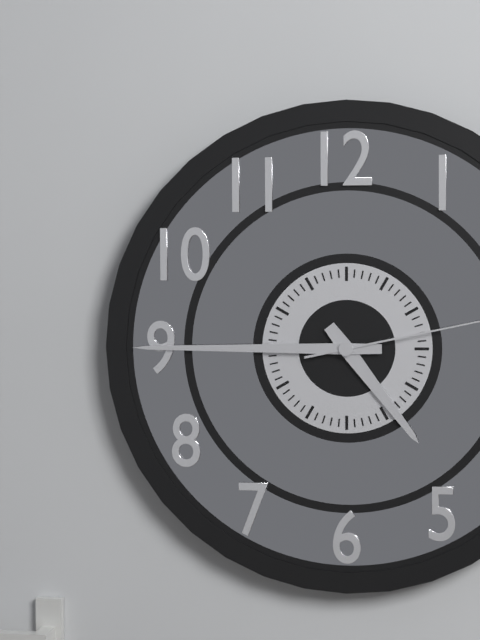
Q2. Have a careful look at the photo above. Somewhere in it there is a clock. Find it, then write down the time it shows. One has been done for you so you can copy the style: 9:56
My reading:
4:45
